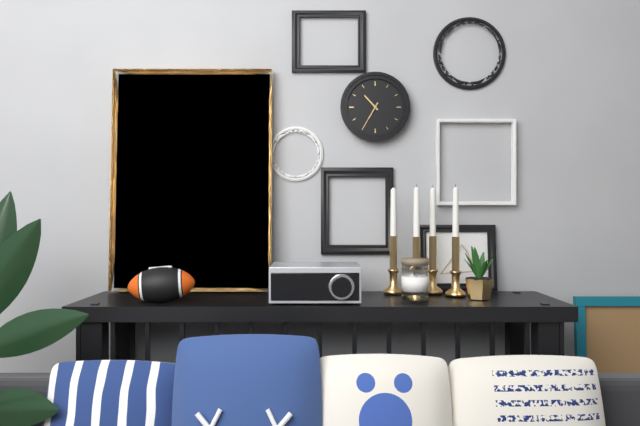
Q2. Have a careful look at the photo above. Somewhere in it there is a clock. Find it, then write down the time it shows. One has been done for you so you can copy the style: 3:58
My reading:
10:35
